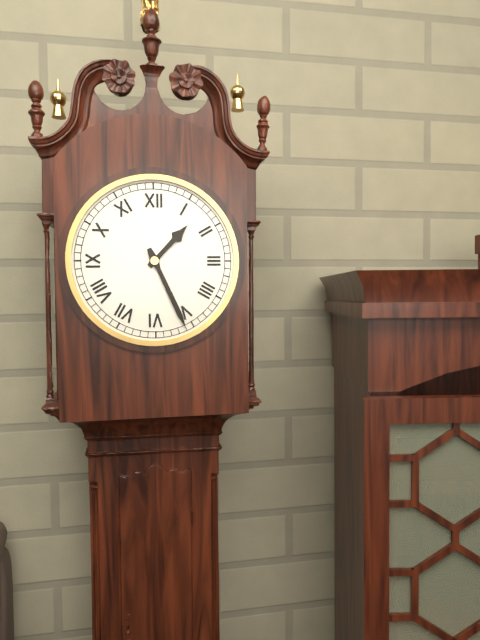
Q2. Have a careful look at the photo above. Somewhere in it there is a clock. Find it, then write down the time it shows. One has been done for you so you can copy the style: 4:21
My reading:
1:26
